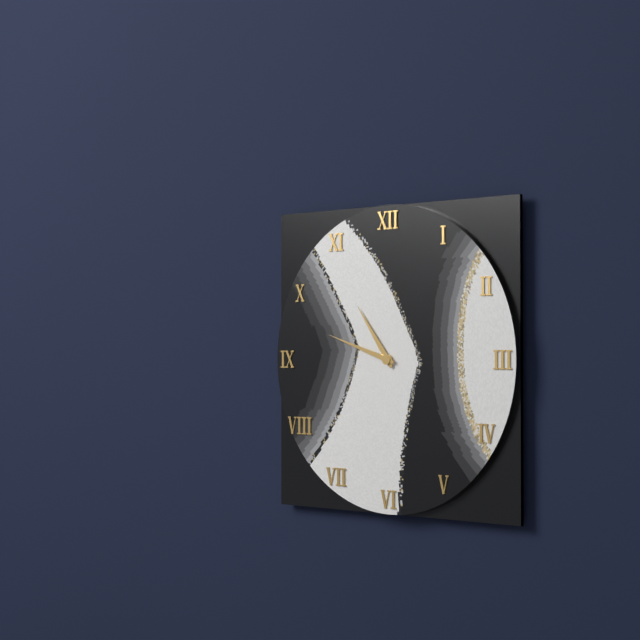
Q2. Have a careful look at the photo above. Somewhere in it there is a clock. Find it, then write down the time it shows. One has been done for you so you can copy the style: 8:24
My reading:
10:48
